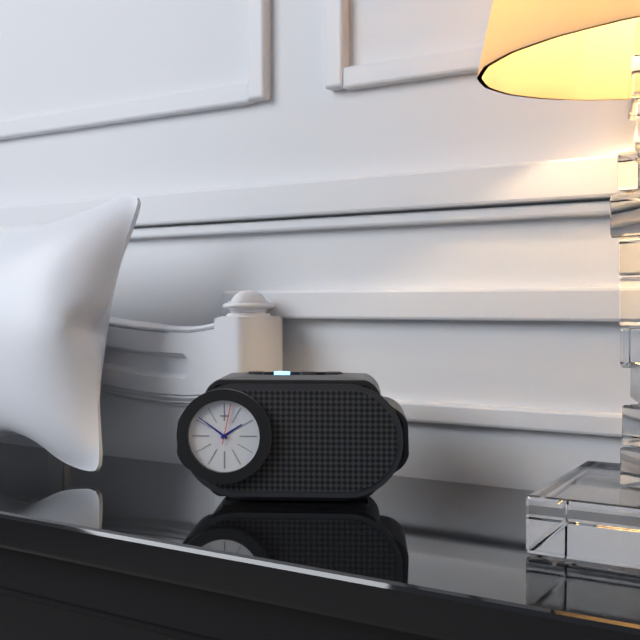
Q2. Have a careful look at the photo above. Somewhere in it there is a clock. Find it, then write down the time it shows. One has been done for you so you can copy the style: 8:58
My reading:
1:51
